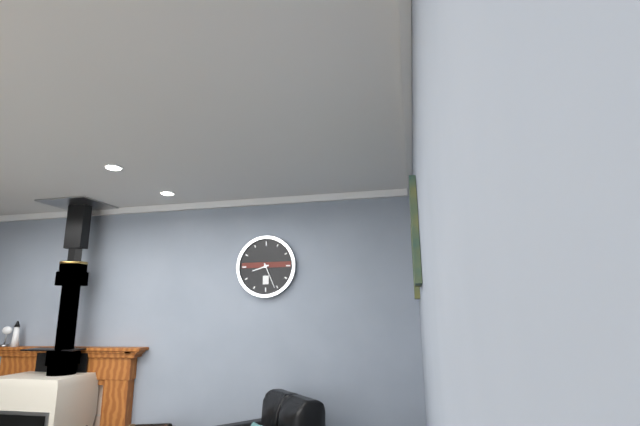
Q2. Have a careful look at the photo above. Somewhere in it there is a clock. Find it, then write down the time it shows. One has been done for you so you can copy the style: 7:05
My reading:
8:26
